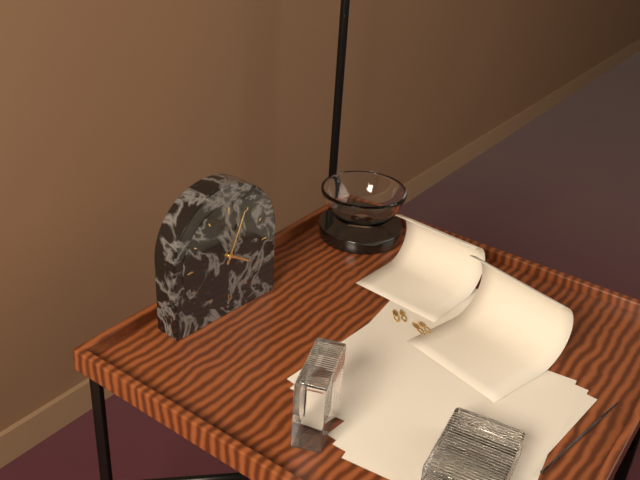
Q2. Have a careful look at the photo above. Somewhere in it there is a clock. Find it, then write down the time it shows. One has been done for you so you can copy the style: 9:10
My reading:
4:04
